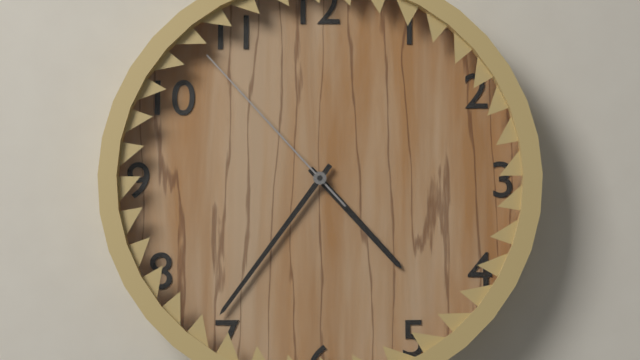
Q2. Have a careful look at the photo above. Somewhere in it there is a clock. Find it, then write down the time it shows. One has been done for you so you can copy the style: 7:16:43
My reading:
4:36:53
